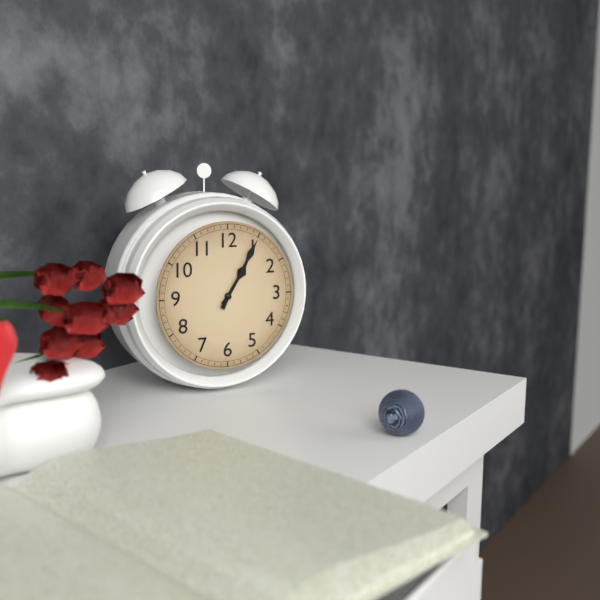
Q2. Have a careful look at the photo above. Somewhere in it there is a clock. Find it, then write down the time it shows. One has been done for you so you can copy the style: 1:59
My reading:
1:05
